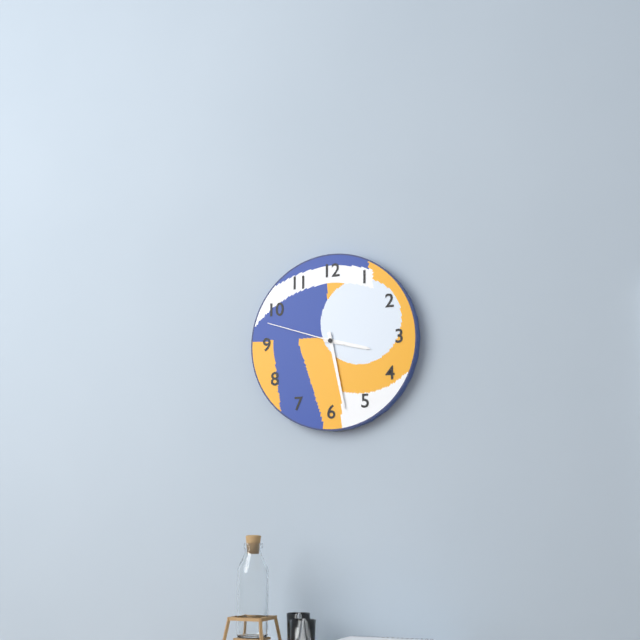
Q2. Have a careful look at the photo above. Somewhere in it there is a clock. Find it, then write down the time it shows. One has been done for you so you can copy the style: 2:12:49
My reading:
3:28:48
